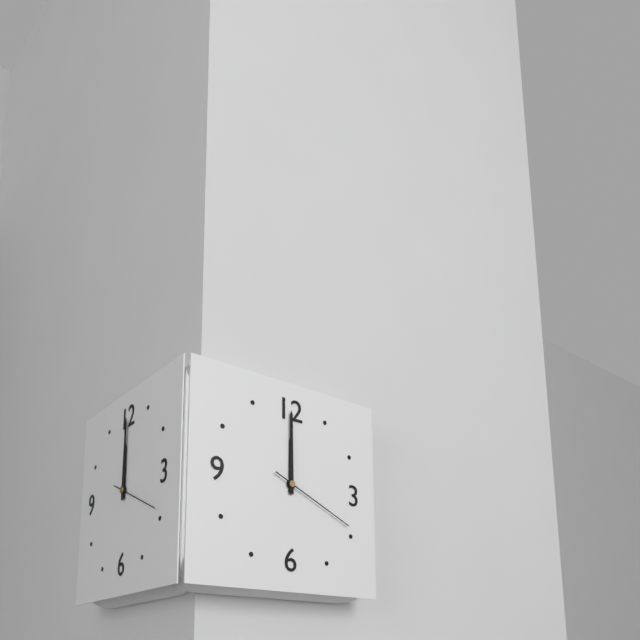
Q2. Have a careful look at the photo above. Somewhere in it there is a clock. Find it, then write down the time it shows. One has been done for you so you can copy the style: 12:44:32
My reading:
12:00:19
